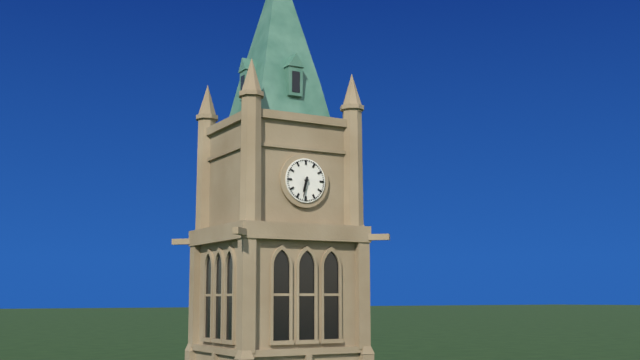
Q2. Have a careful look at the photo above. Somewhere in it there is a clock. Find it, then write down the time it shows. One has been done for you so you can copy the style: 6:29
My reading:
6:32
